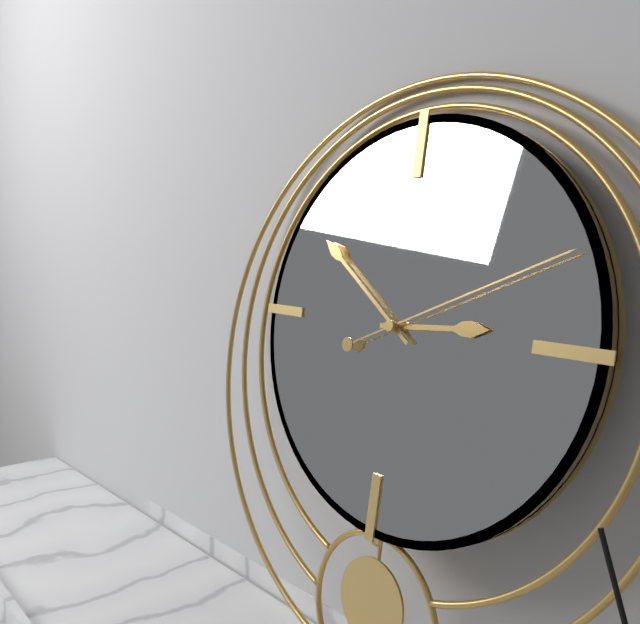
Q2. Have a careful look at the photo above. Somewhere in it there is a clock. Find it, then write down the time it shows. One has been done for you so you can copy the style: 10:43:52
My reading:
2:51:11
